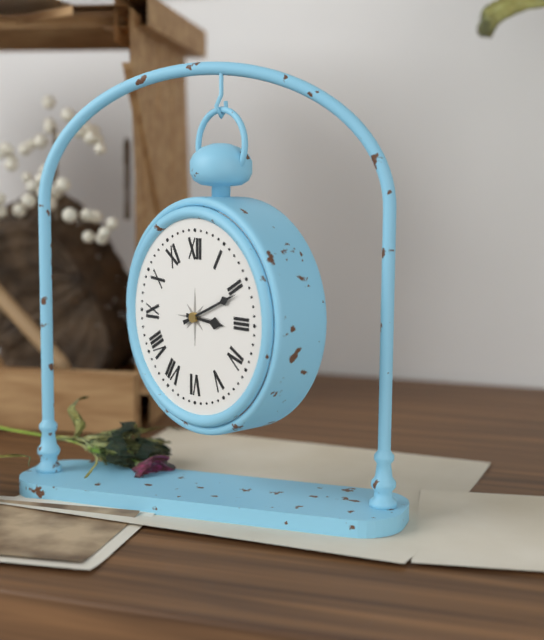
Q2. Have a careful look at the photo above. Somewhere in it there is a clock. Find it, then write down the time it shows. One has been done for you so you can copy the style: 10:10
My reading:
3:11
